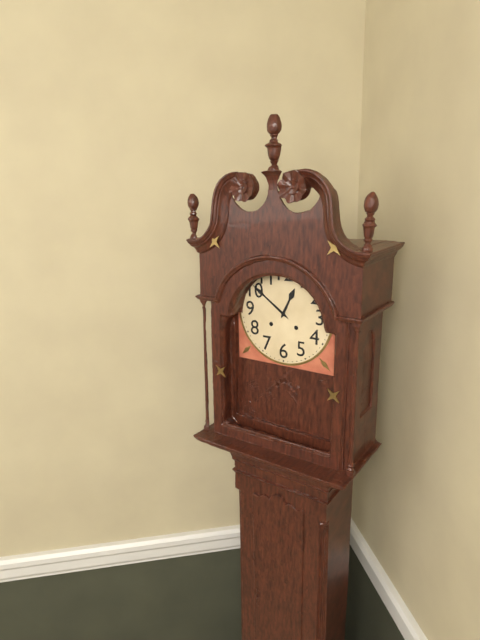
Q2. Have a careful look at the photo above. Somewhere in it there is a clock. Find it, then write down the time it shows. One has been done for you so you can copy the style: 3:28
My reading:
12:51
